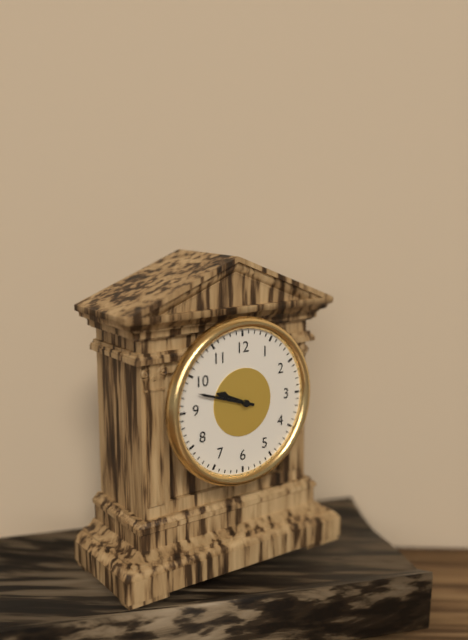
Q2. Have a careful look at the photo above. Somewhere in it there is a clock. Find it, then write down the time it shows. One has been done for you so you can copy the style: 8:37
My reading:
9:48
